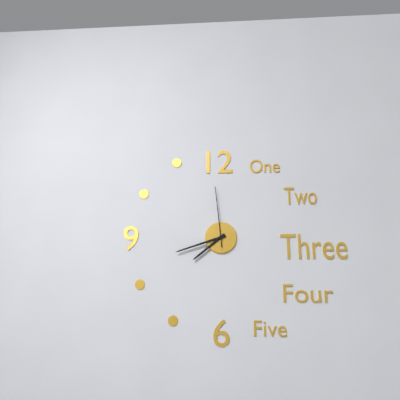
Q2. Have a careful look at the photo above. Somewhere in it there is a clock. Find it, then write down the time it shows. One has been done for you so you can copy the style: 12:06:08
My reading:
7:42:59
